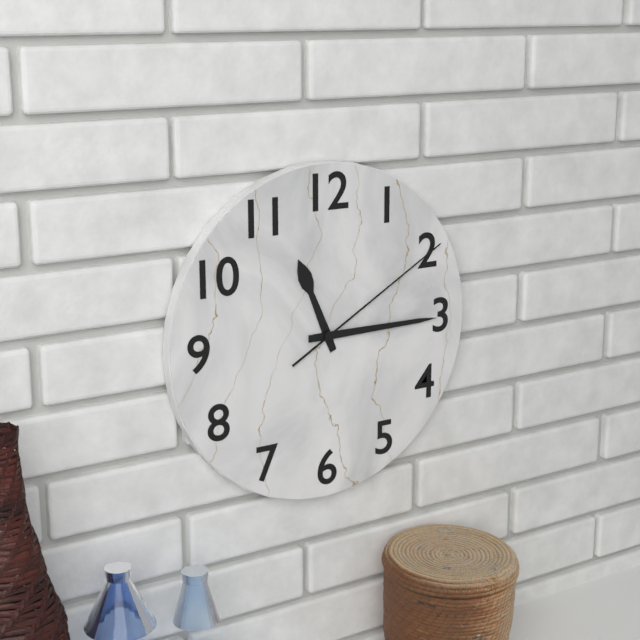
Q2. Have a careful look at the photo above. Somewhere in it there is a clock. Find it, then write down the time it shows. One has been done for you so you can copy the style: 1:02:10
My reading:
11:15:10
